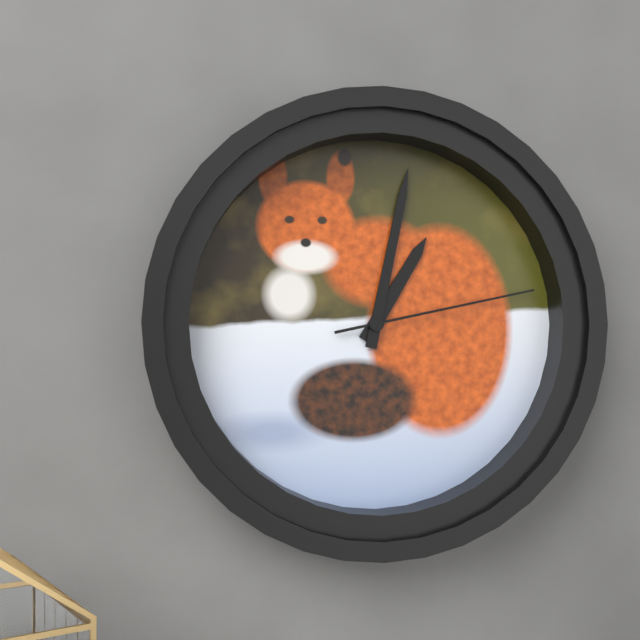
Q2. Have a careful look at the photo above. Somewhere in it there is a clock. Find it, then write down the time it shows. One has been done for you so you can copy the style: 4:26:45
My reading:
1:02:13
